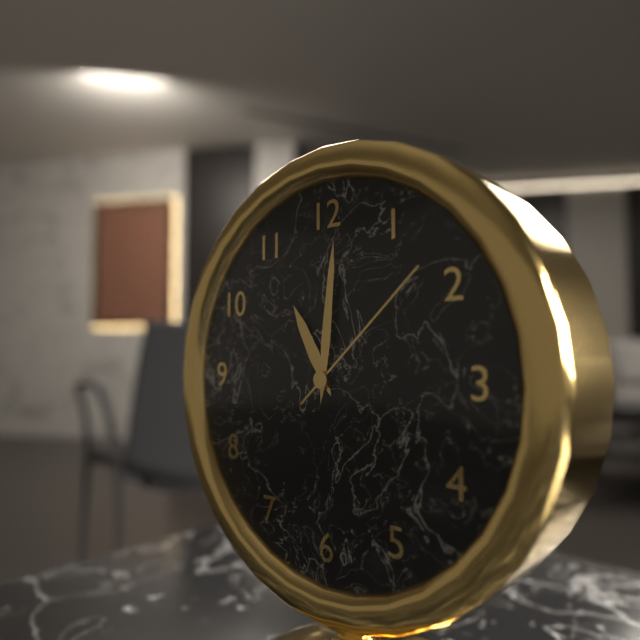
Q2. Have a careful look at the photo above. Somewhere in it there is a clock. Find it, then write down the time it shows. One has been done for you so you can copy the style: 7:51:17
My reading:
11:01:08
